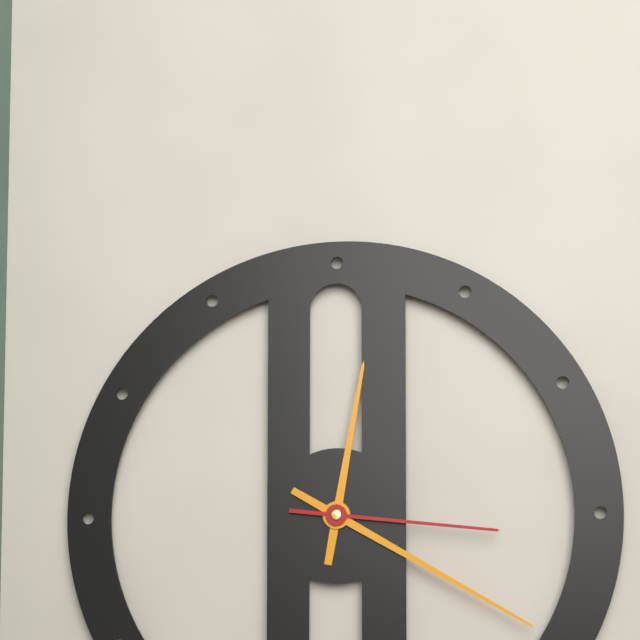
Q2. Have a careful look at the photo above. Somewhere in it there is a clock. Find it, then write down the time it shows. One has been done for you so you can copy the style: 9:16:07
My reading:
12:20:16
